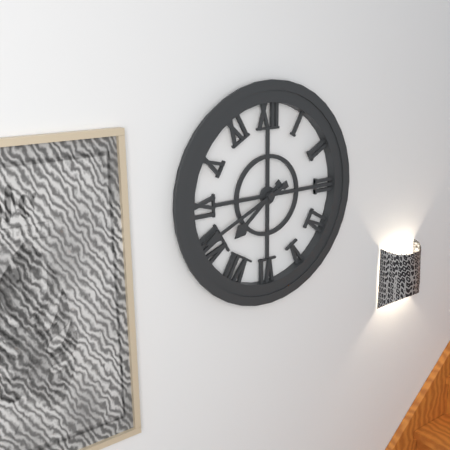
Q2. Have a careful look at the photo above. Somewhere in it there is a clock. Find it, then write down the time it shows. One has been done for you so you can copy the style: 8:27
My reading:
7:41
